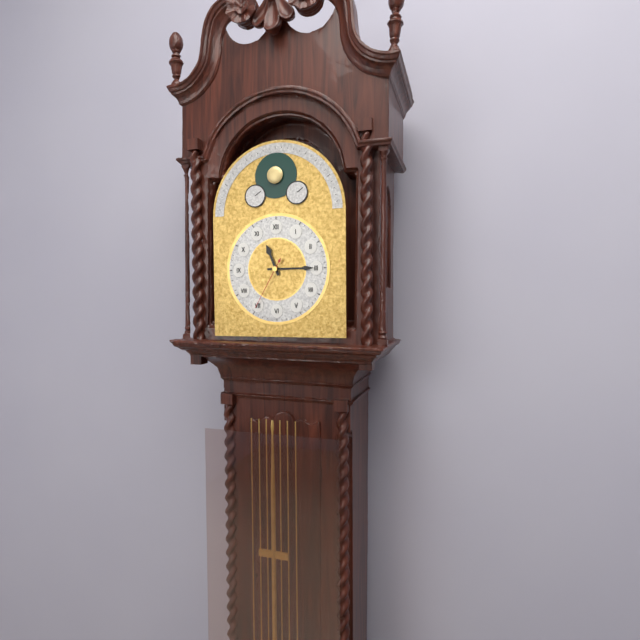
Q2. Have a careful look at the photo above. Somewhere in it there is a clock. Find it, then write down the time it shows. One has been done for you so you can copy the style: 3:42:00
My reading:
11:15:35
